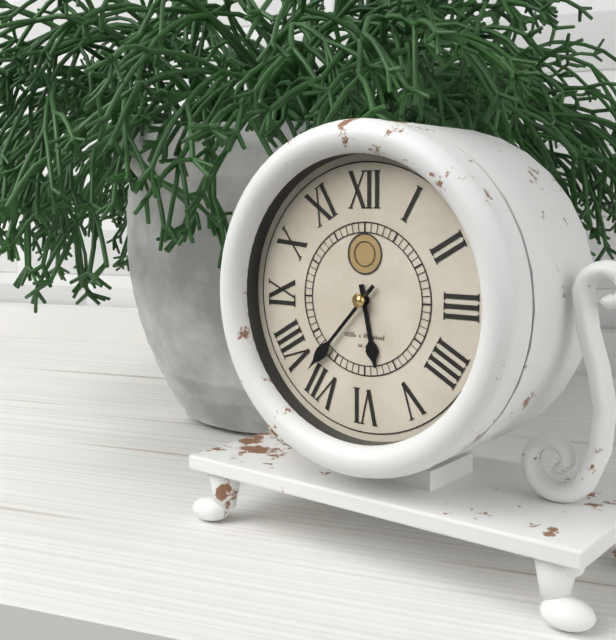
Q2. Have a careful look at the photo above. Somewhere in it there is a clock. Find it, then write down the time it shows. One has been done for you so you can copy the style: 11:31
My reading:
5:37
